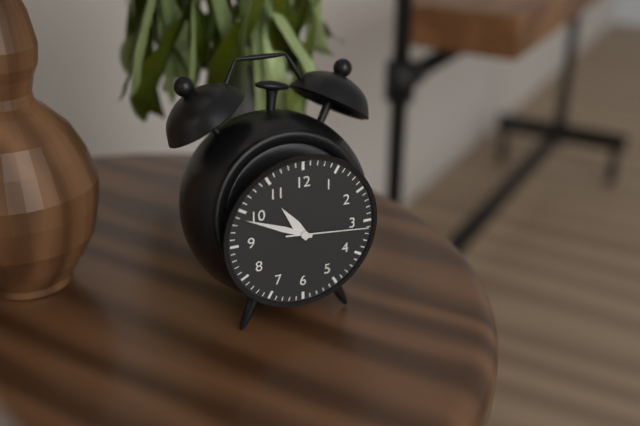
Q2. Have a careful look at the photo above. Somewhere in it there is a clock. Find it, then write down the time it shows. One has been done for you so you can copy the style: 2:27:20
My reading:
10:49:16
